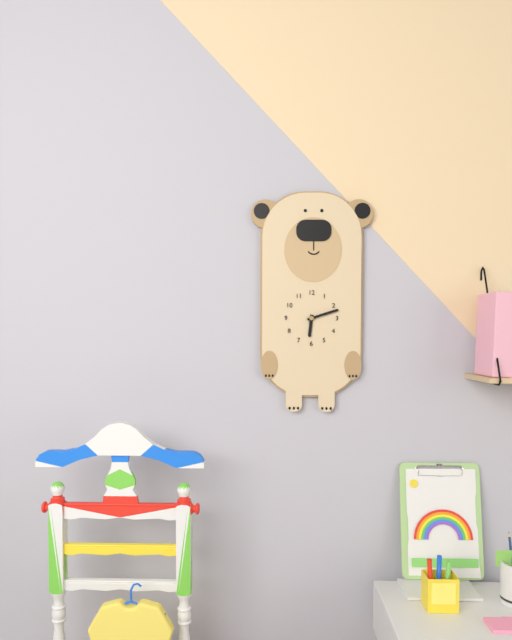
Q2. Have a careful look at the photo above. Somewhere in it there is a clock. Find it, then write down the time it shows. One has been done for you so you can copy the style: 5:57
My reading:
6:12
